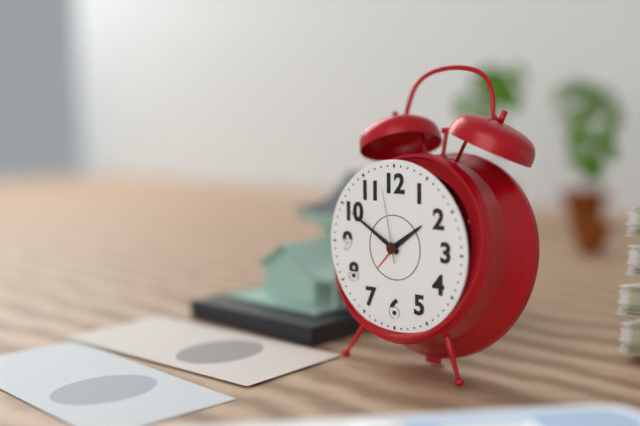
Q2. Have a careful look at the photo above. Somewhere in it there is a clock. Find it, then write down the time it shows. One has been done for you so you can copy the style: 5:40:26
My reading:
1:50:58
